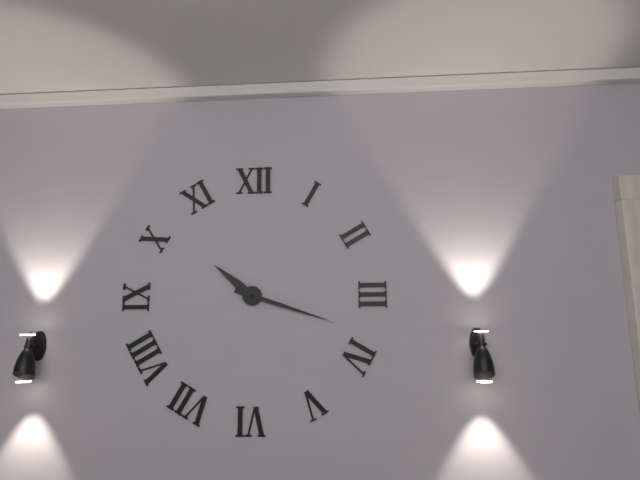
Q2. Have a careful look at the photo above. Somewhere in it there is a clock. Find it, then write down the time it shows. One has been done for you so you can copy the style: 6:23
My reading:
10:18
